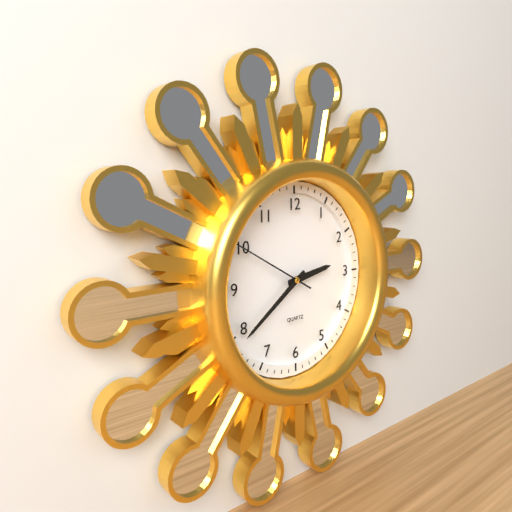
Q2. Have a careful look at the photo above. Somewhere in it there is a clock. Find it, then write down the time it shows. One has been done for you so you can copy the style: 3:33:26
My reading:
2:39:50
